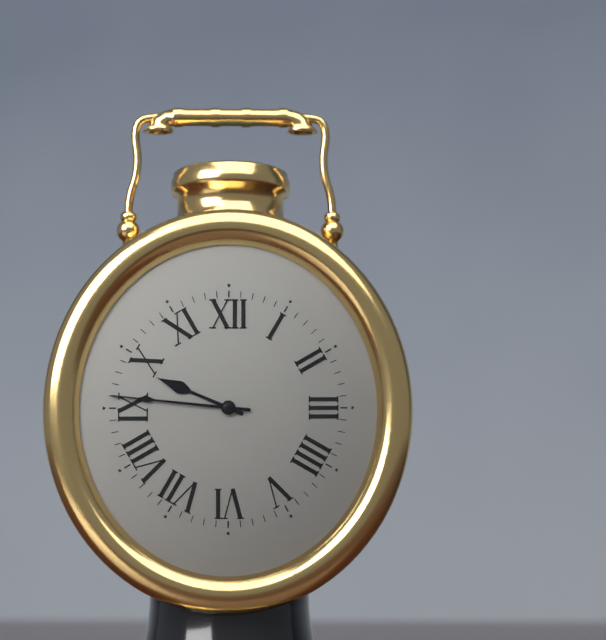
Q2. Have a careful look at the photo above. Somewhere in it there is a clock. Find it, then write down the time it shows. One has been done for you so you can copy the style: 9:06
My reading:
9:46
